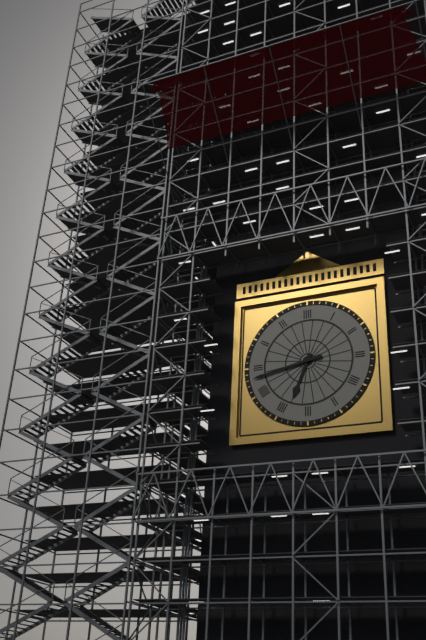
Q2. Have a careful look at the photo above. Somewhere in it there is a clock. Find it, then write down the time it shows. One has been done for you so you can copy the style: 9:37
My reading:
6:43
